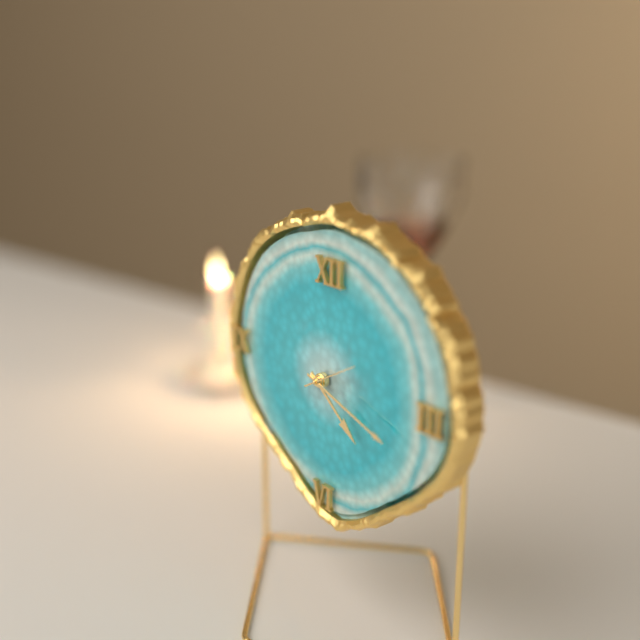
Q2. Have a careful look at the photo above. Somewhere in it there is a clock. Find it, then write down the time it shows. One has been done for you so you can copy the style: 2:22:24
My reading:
4:18:10
